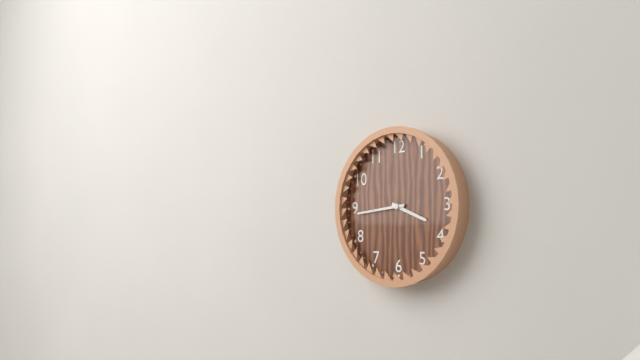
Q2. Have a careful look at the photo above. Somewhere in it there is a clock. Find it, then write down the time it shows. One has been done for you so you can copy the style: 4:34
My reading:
3:44
